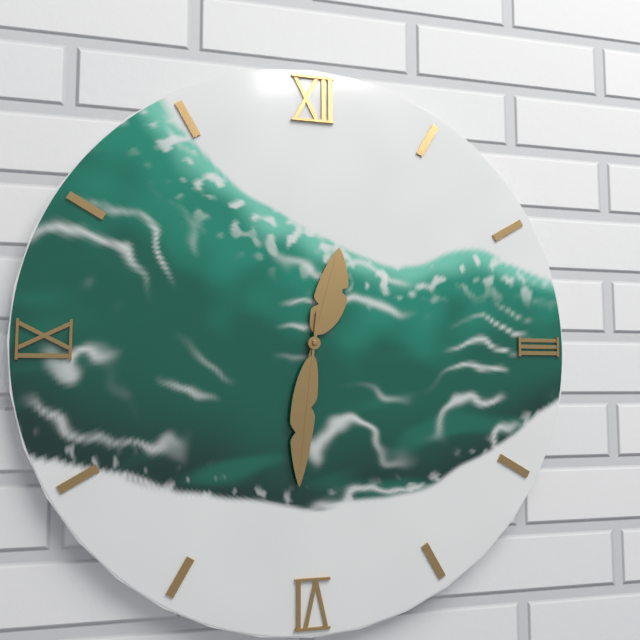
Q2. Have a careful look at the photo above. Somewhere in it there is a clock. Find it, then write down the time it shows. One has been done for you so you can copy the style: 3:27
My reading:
12:31
